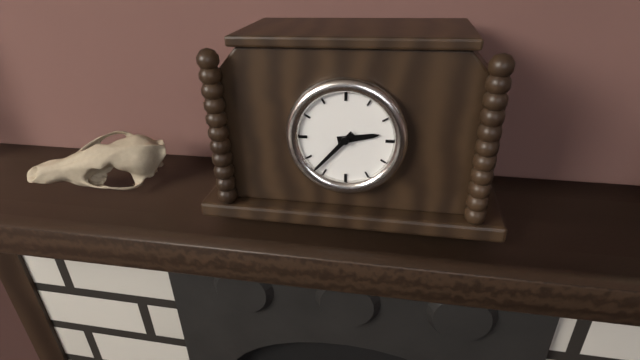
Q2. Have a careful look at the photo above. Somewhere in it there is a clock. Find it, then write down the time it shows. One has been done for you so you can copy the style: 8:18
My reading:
2:37
